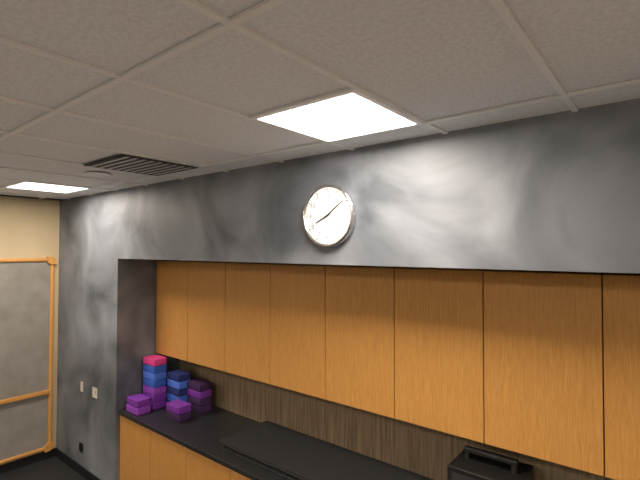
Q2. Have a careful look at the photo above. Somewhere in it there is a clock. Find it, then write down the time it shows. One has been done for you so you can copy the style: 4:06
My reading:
8:09
